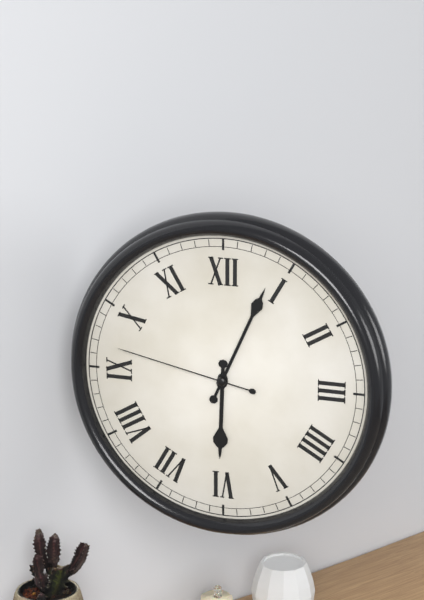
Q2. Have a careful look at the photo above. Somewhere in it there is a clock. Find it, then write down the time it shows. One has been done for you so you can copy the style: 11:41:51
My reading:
6:04:47
